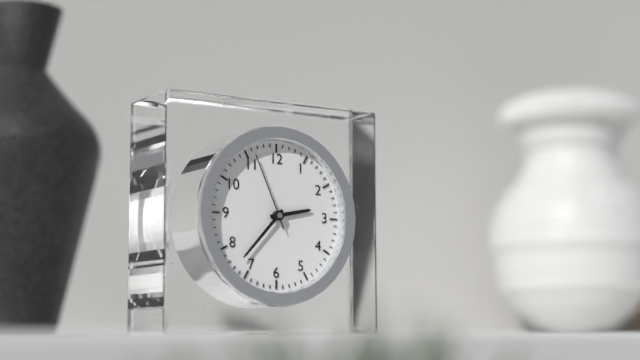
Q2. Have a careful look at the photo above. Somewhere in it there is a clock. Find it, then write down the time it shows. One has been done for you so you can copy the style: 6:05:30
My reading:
2:37:56
